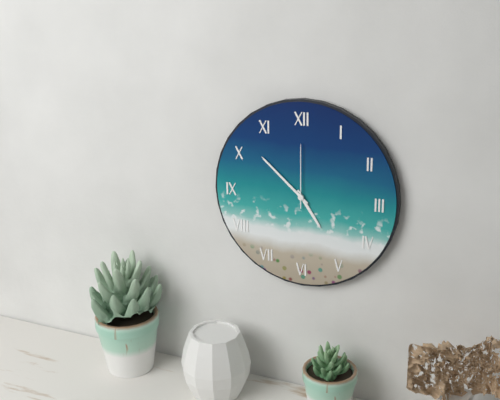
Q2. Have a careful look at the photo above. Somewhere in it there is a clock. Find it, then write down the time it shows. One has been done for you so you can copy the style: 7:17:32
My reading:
4:52:00
